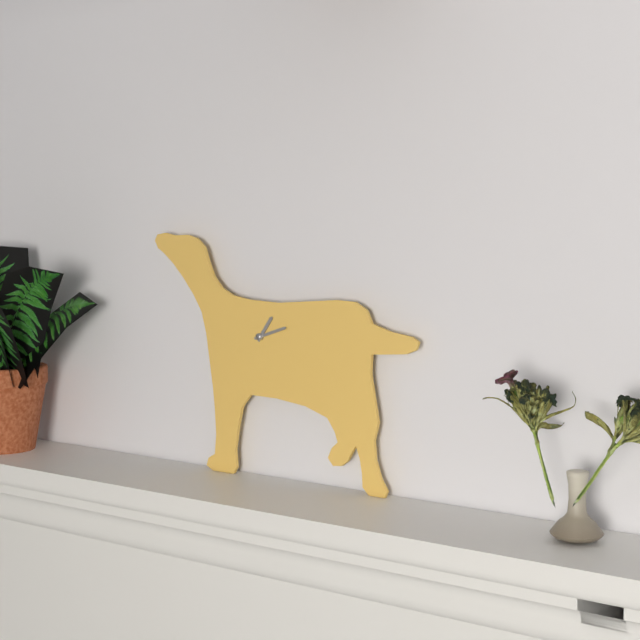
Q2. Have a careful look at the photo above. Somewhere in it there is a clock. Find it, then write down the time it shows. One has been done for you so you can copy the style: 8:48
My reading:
1:12
